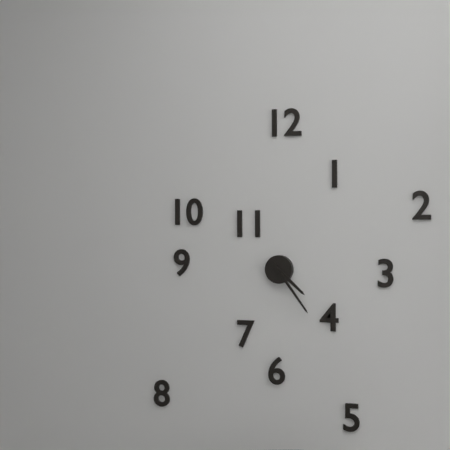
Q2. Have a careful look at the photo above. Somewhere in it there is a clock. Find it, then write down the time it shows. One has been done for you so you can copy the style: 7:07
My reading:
4:24
